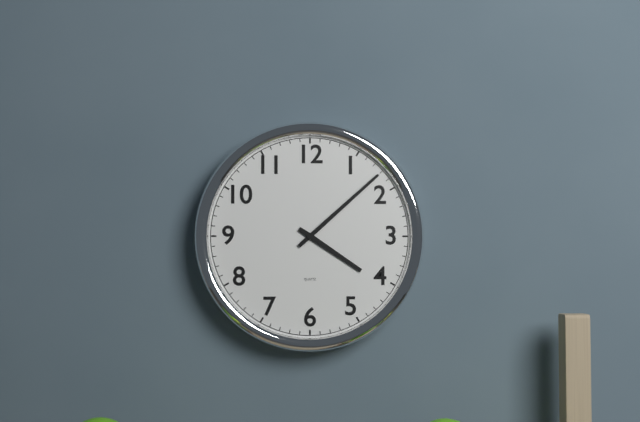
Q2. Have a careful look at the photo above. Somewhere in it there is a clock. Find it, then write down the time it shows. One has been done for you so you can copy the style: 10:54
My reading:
4:08
